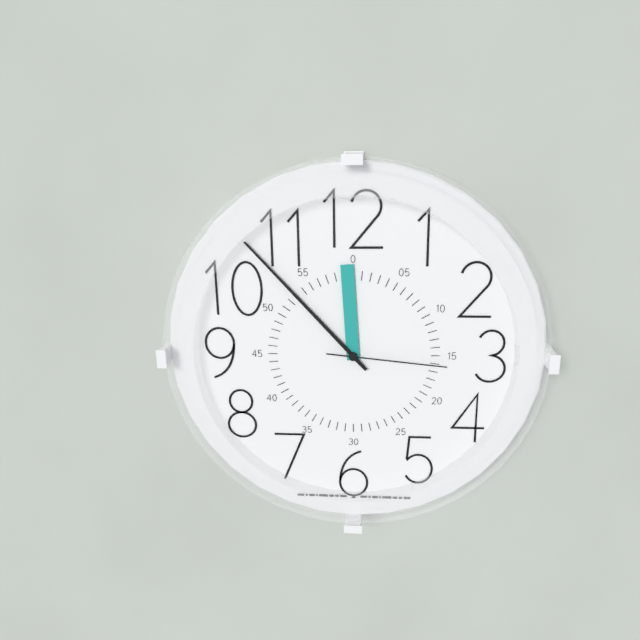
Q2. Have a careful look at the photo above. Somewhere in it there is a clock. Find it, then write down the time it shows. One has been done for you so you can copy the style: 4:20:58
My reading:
11:53:16
